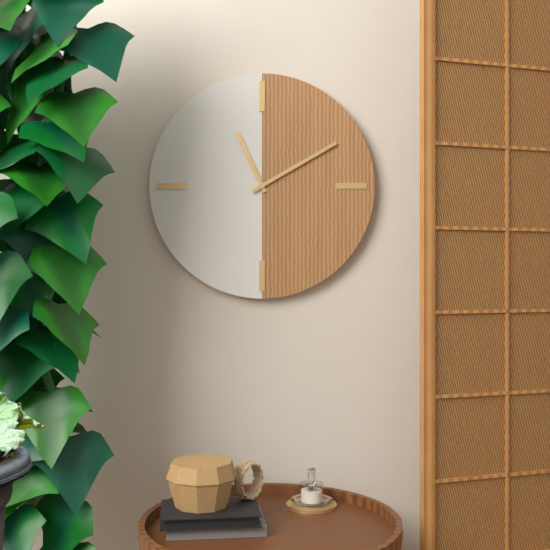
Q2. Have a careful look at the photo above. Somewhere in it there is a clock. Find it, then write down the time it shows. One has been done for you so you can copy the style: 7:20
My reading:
11:10
